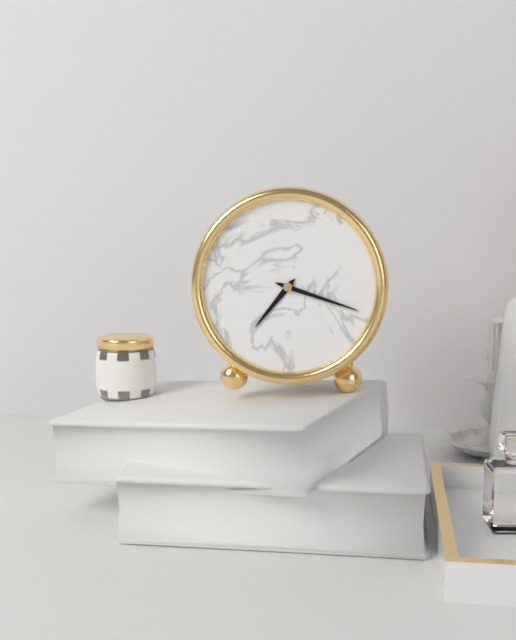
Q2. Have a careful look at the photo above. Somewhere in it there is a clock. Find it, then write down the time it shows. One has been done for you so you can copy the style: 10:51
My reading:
7:18
